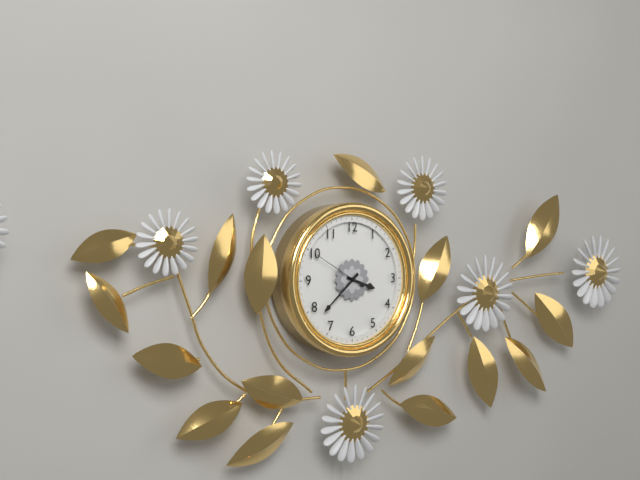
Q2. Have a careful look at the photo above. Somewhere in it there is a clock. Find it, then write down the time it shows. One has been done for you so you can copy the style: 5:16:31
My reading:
3:38:50
